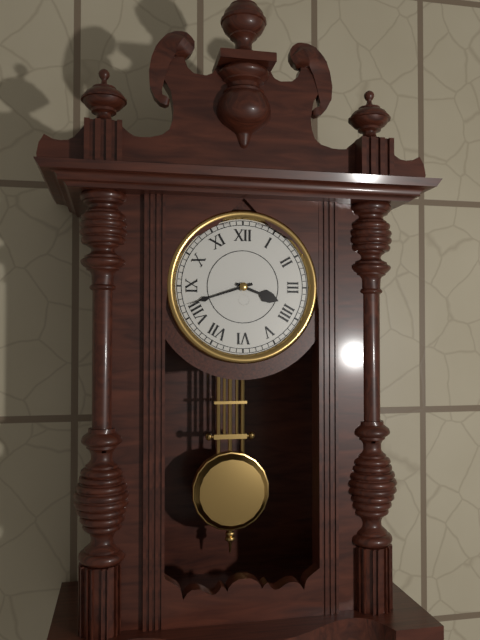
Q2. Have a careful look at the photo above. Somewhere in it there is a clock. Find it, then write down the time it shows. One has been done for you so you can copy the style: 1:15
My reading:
3:42
